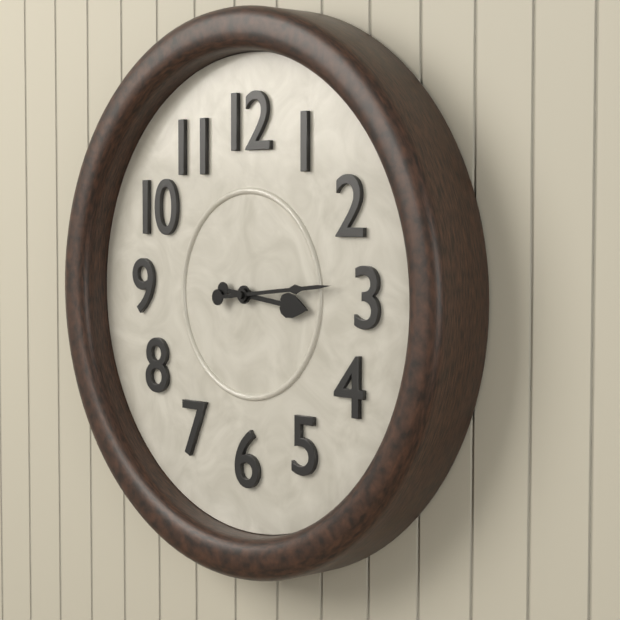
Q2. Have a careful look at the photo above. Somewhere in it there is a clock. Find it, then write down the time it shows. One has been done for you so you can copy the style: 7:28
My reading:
3:14
